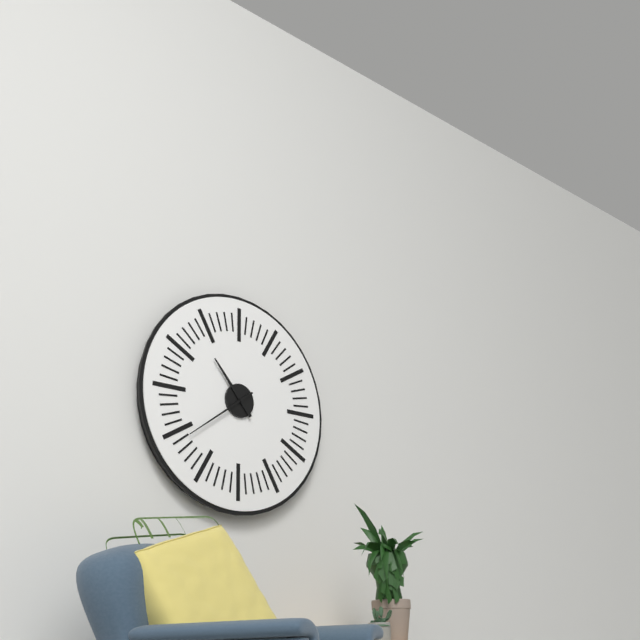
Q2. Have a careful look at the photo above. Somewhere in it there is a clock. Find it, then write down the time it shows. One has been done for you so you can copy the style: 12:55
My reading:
10:39
